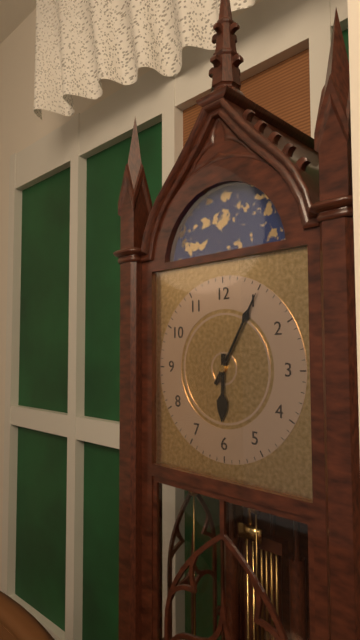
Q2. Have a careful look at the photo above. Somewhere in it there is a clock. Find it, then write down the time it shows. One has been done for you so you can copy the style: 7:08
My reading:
6:05
